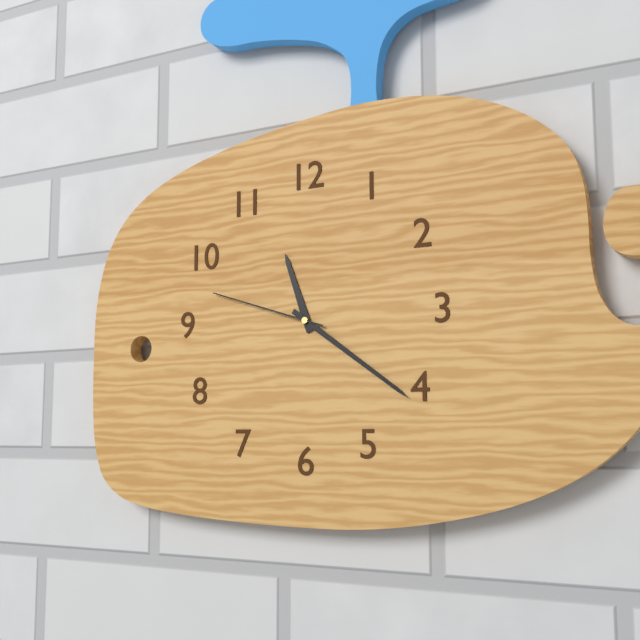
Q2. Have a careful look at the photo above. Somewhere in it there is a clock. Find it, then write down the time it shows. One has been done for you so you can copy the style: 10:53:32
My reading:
11:21:48
